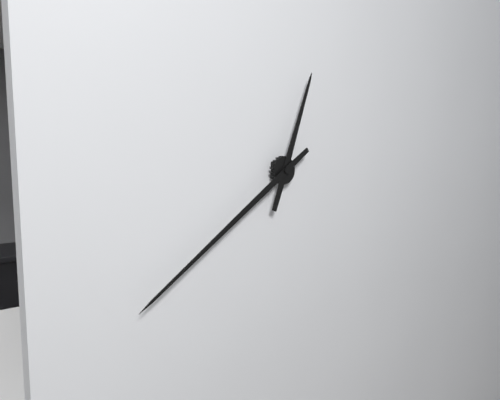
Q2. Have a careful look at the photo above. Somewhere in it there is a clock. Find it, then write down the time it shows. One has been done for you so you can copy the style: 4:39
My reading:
12:39
